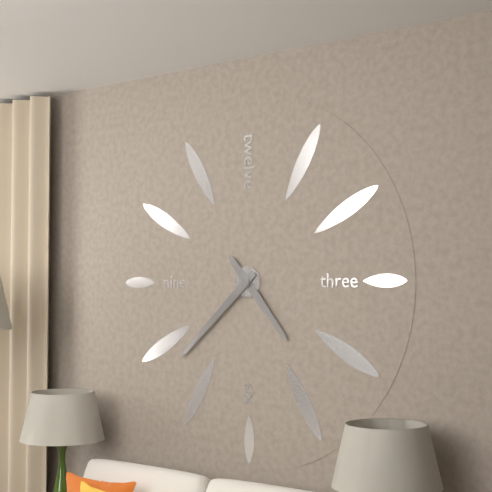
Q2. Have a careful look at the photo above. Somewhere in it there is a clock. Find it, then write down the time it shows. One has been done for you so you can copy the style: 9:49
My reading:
4:38
